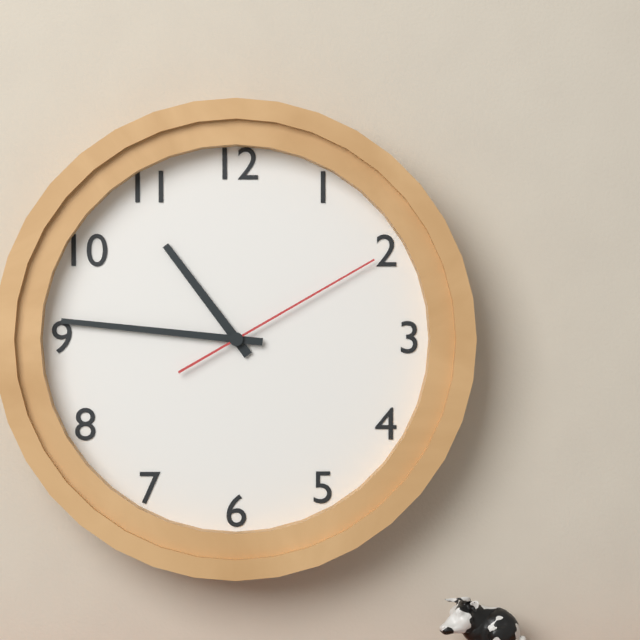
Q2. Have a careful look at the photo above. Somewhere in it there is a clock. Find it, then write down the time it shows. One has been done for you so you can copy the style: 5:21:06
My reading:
10:46:10
